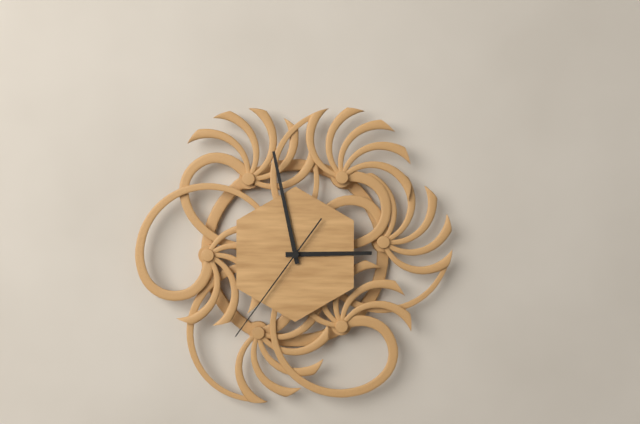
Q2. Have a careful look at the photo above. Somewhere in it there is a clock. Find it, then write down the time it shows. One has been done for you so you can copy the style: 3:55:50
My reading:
2:58:36
